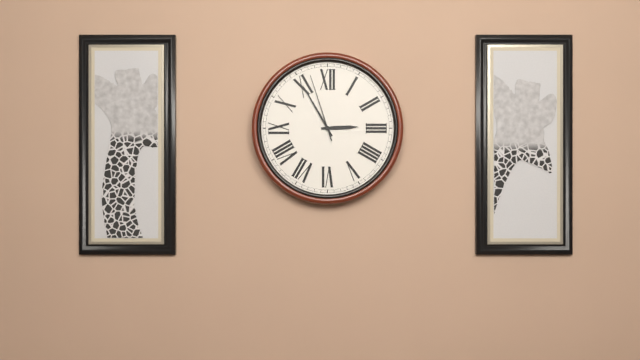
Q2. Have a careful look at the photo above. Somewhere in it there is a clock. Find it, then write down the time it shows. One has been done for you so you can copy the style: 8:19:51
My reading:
2:55:57
